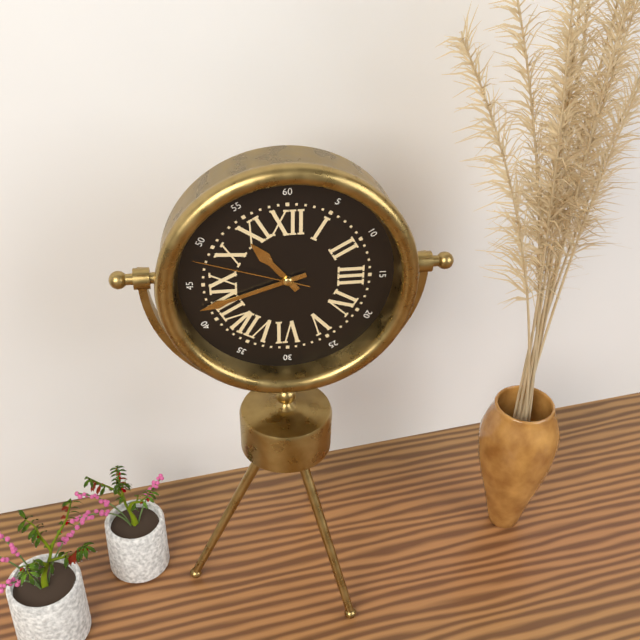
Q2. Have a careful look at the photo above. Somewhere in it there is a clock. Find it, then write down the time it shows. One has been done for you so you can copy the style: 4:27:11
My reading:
10:42:48
